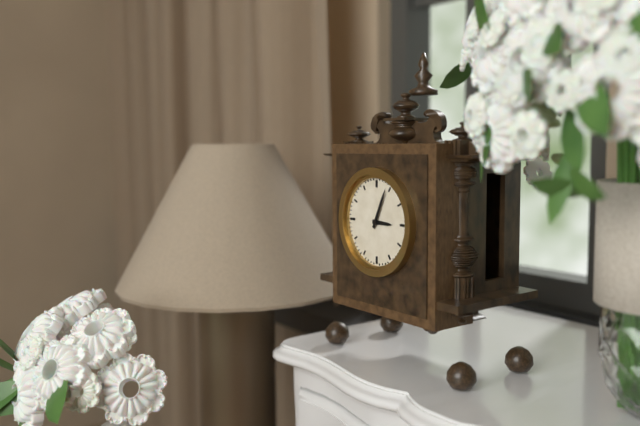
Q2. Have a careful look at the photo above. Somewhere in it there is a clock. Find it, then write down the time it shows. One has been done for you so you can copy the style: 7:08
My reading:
3:04
